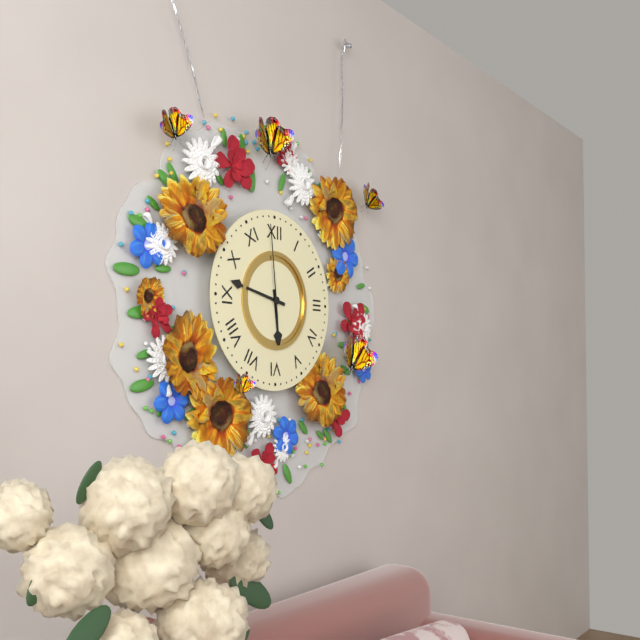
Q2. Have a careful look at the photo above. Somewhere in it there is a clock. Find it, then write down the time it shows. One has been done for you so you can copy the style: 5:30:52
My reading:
5:47:59
